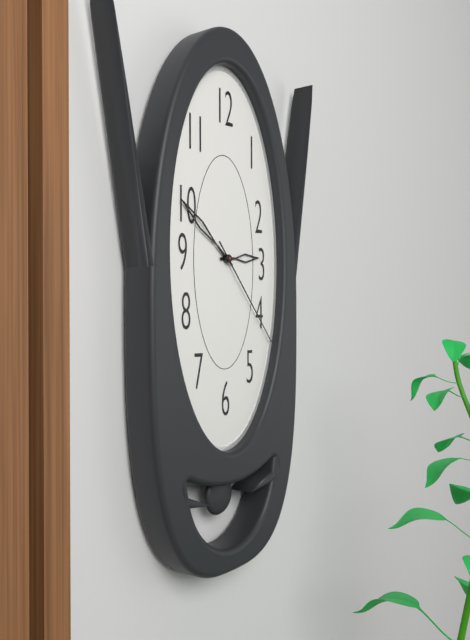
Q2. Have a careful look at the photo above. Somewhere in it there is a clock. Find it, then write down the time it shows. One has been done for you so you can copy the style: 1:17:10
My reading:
2:51:23
